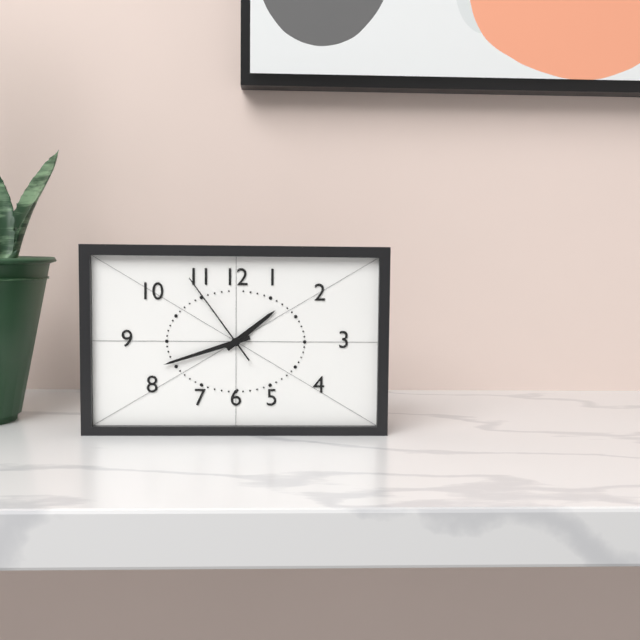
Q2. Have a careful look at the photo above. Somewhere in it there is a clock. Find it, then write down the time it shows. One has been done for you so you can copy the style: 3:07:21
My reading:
1:42:54
